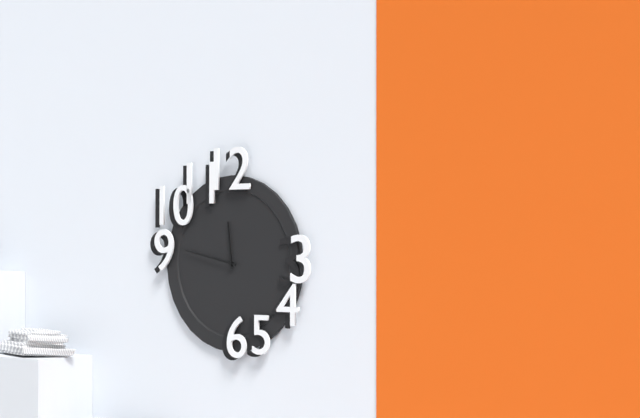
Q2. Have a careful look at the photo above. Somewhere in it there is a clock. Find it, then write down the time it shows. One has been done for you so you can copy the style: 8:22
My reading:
11:47
